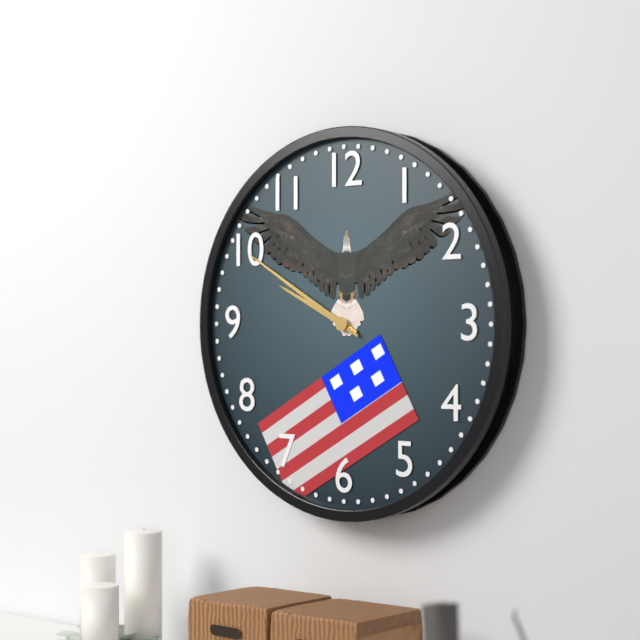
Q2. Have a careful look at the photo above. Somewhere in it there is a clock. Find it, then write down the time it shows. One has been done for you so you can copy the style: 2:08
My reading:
9:50
